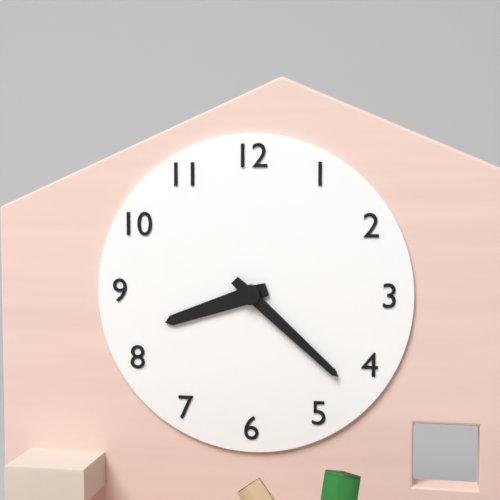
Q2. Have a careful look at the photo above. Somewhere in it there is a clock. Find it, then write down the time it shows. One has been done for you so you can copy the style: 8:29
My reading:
8:22
